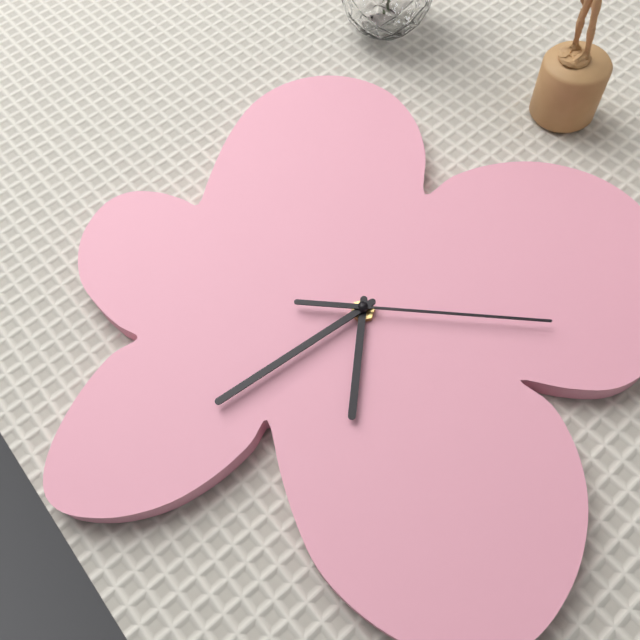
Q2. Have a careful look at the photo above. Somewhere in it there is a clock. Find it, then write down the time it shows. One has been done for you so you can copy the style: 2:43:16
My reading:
5:36:13
